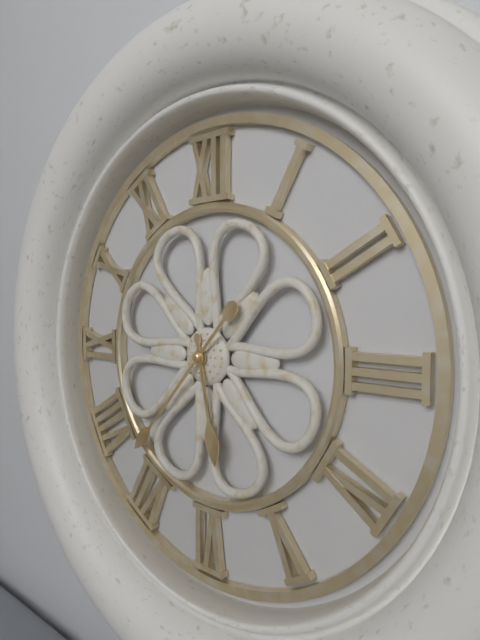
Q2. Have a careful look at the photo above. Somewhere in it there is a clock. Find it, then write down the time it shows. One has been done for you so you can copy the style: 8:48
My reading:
5:37
